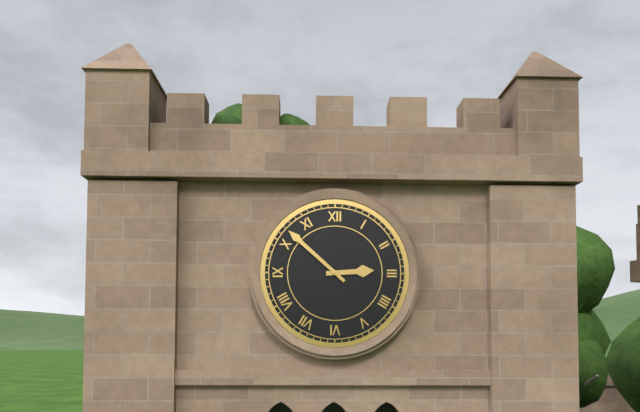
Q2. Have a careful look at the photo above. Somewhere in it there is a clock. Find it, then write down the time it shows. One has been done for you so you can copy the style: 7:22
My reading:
2:52
